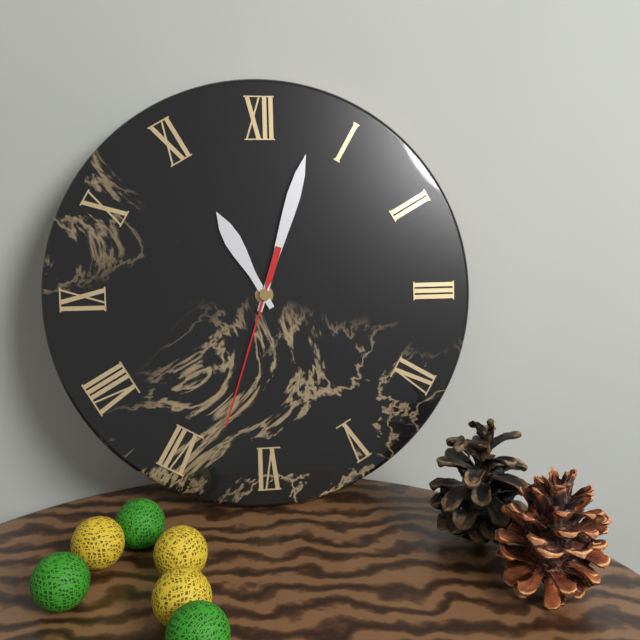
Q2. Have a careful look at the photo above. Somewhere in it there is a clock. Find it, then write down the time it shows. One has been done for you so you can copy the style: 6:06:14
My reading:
11:03:33
